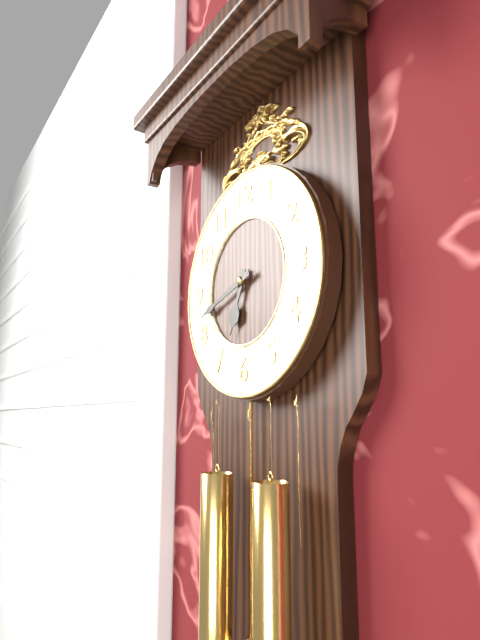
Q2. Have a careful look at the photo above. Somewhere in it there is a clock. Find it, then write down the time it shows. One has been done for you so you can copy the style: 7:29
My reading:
6:42
